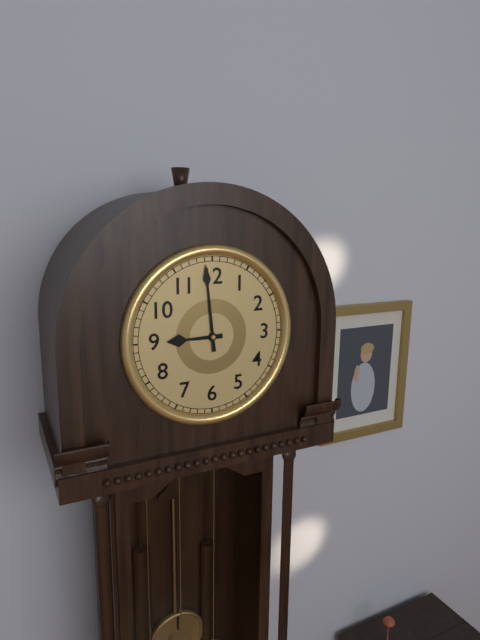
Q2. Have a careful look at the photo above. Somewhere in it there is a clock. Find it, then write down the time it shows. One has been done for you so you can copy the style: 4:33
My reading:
8:59
